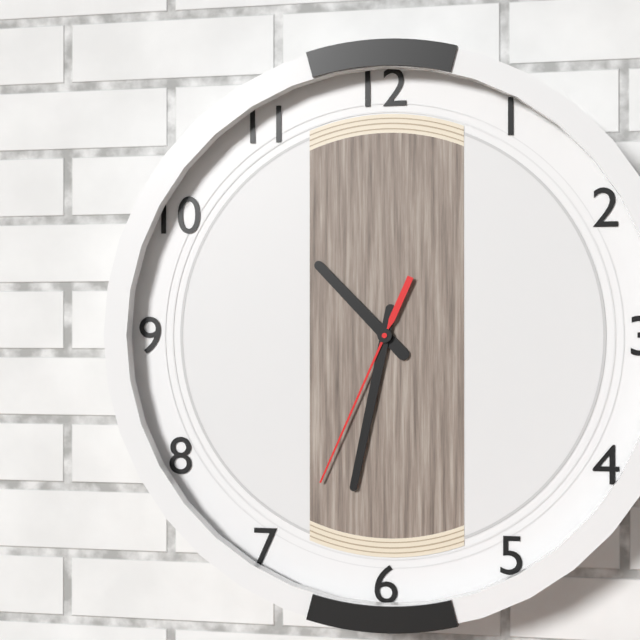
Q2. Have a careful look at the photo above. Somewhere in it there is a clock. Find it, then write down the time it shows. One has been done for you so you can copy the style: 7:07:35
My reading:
10:32:34
